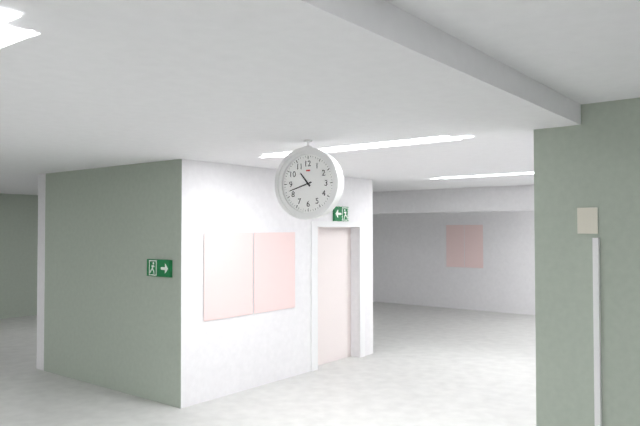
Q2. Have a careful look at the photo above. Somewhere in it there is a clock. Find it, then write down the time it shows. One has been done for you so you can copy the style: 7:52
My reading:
10:42
